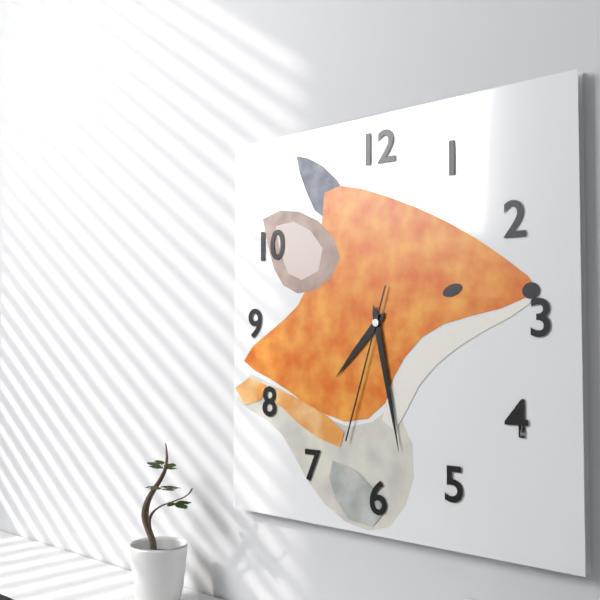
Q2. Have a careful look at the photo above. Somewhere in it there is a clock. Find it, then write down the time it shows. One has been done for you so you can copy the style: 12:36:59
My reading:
7:28:33
